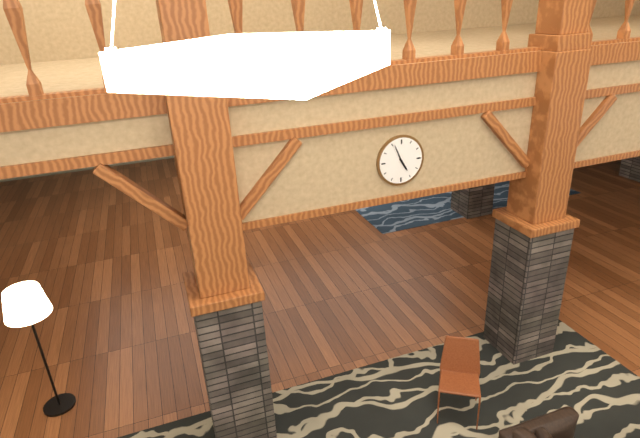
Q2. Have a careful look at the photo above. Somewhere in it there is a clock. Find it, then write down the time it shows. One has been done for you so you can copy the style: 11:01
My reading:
4:56
